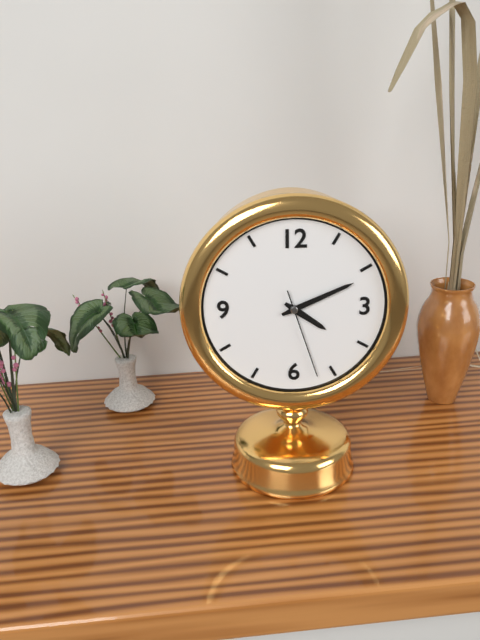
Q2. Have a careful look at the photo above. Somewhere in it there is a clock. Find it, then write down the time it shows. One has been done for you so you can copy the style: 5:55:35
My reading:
4:11:27
